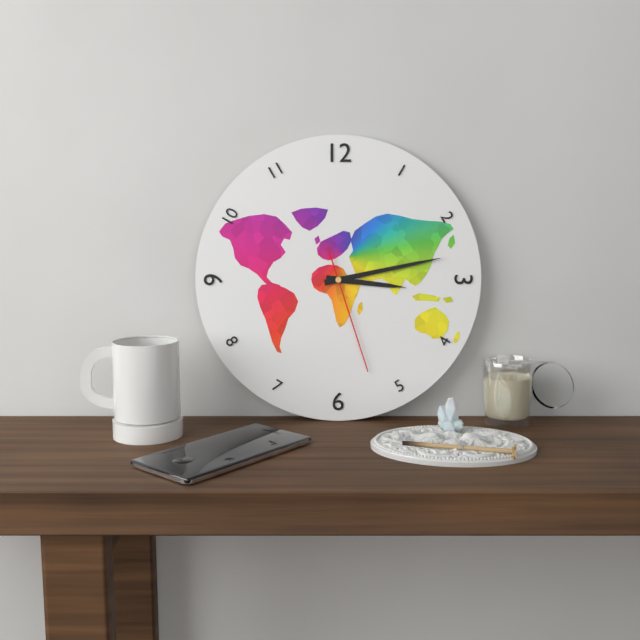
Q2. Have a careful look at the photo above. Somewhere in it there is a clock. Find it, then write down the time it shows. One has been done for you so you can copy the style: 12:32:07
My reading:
3:13:27
